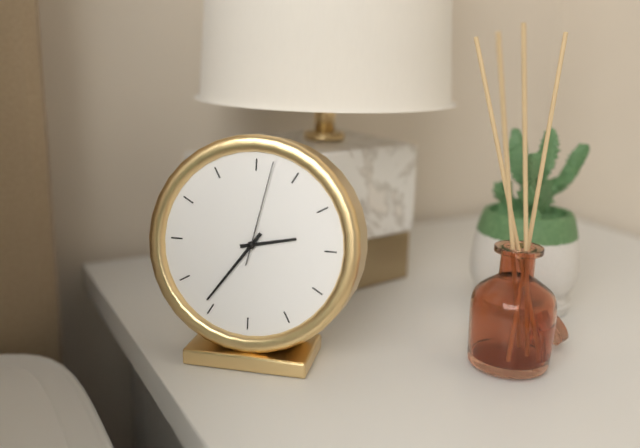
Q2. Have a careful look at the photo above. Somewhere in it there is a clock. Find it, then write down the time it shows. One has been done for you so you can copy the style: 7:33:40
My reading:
2:36:02
